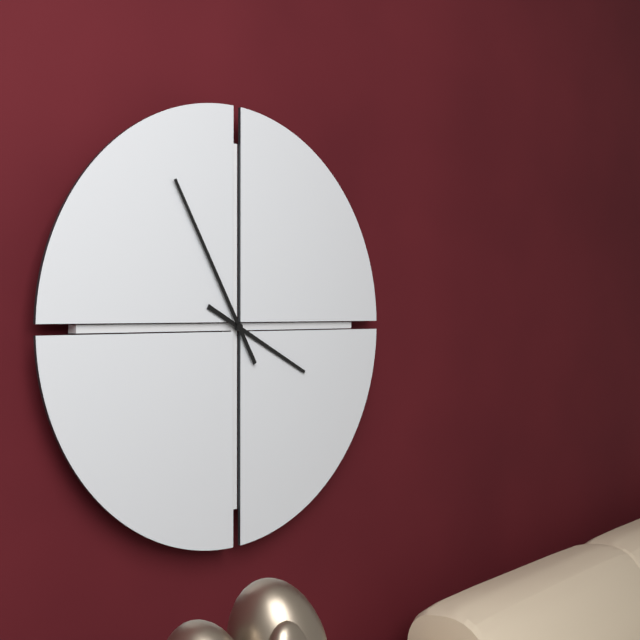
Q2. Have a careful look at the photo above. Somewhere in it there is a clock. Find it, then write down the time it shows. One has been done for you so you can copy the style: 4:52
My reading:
3:55
